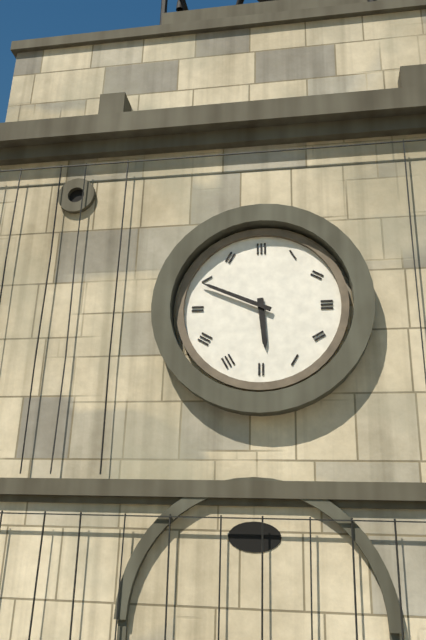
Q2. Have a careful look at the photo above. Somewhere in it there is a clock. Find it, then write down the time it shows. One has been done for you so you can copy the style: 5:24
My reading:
5:49
